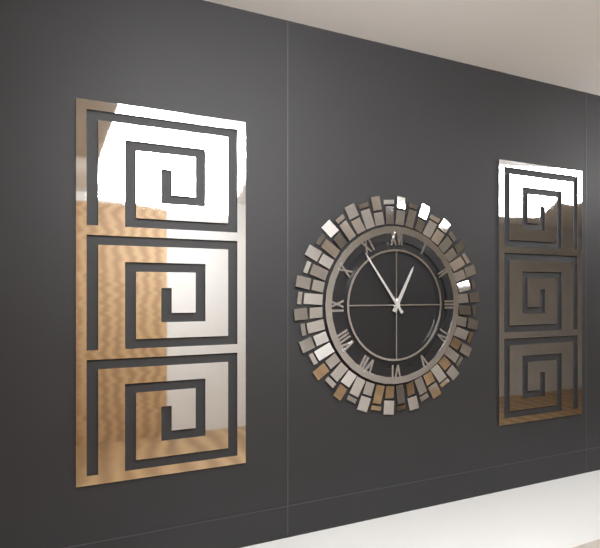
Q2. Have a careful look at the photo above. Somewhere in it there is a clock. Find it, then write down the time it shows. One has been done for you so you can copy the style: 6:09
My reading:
12:54
